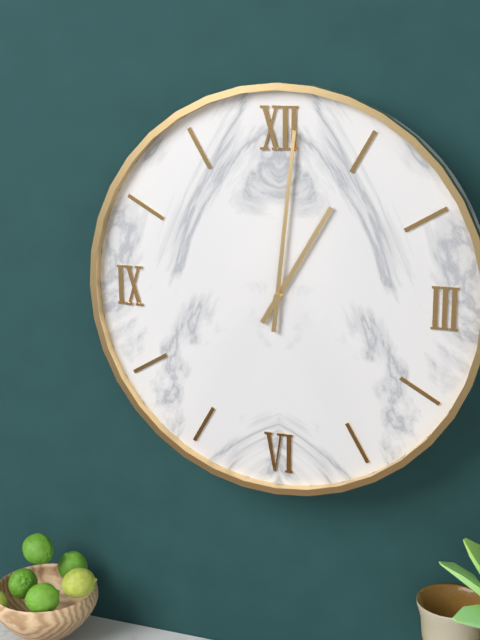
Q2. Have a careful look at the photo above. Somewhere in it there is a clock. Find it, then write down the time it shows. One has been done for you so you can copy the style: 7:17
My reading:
1:01
